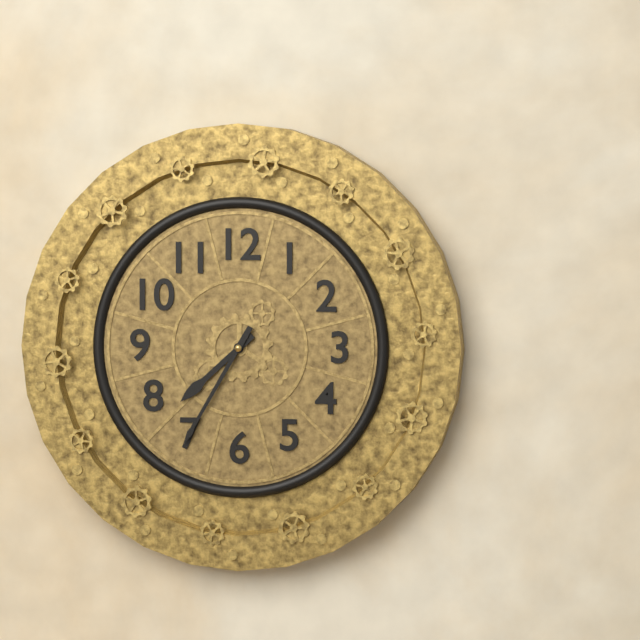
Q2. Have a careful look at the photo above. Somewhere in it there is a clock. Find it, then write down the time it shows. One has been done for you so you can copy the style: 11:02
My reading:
7:35
